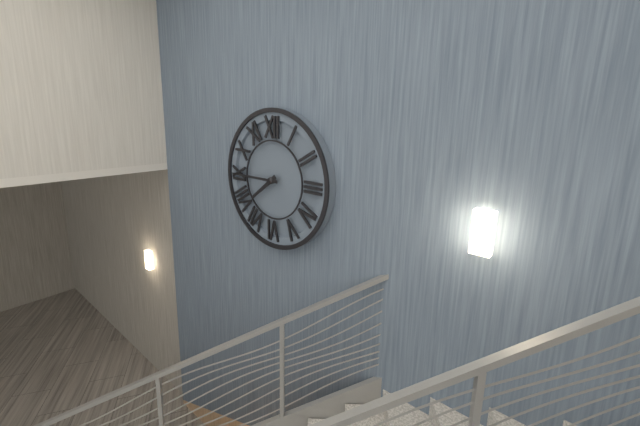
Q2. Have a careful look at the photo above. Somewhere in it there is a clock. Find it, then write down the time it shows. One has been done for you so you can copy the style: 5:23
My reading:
7:45
